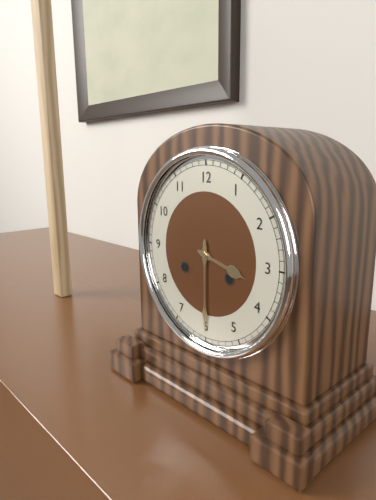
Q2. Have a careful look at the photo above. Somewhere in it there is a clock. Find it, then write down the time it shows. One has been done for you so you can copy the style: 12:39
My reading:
3:30
